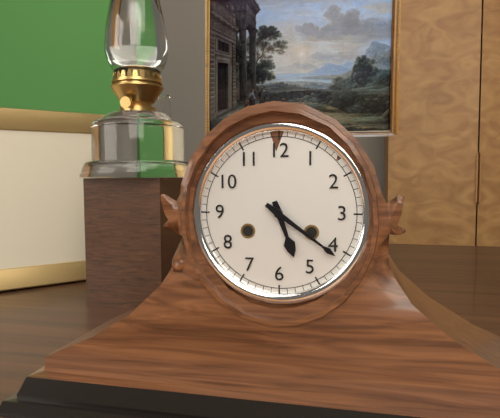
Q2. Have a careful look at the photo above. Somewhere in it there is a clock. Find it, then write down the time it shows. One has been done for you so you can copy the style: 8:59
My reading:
5:21
